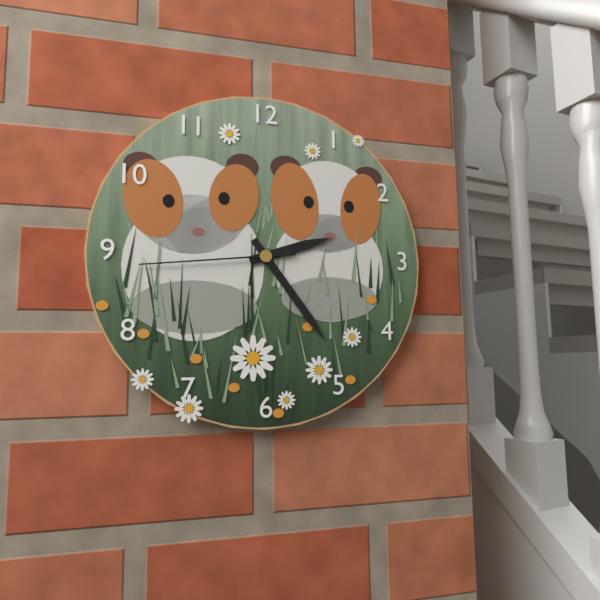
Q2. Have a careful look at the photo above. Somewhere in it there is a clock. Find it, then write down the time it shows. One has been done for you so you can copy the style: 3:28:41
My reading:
2:24:44
